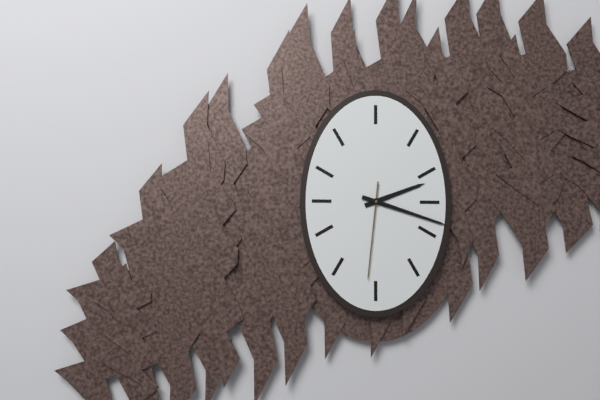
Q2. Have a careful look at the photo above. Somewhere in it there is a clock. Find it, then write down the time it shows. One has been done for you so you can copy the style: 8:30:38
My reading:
2:18:31
